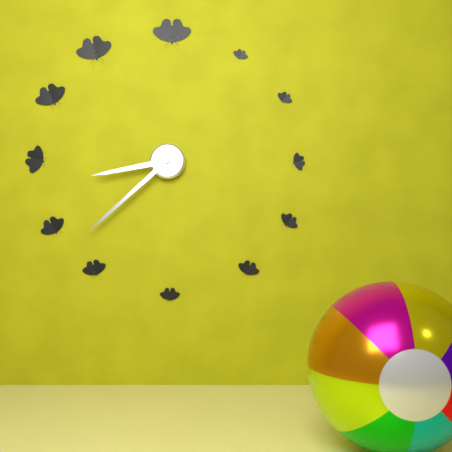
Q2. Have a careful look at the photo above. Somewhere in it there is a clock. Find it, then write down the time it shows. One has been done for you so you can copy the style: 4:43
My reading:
8:38
